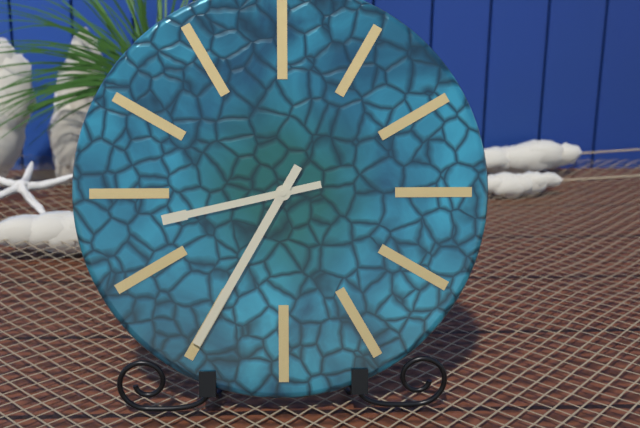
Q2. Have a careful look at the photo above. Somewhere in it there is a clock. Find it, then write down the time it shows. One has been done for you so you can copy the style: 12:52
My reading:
8:35
